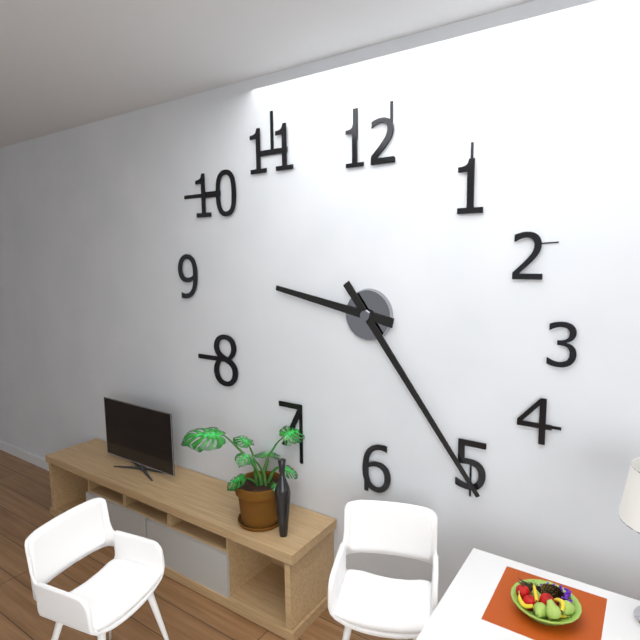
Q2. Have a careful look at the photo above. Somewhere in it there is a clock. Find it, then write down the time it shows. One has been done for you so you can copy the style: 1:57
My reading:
9:24
